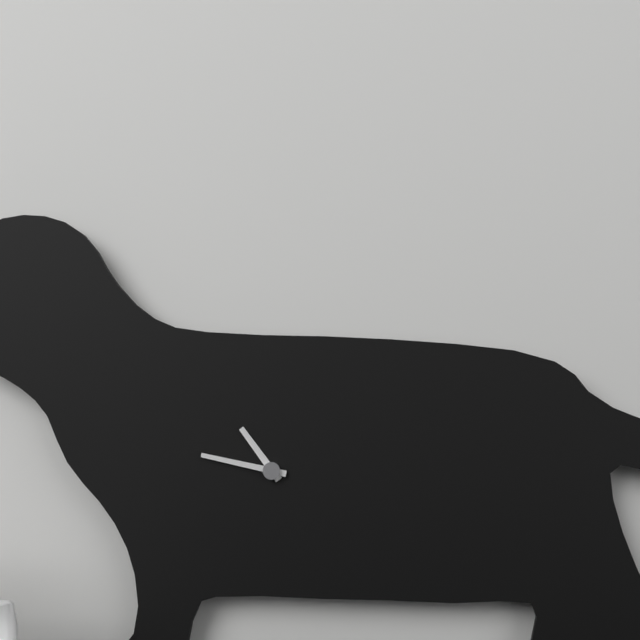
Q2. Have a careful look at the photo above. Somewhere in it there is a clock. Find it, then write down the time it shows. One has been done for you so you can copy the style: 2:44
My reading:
10:47
